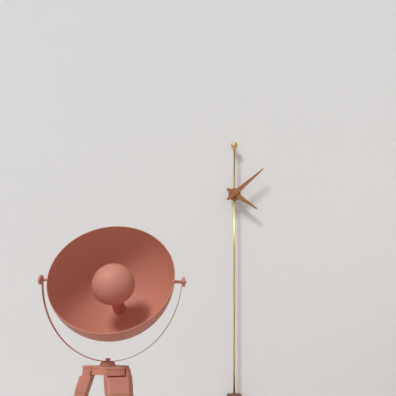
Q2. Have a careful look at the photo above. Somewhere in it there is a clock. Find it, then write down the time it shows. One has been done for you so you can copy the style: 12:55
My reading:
4:08
